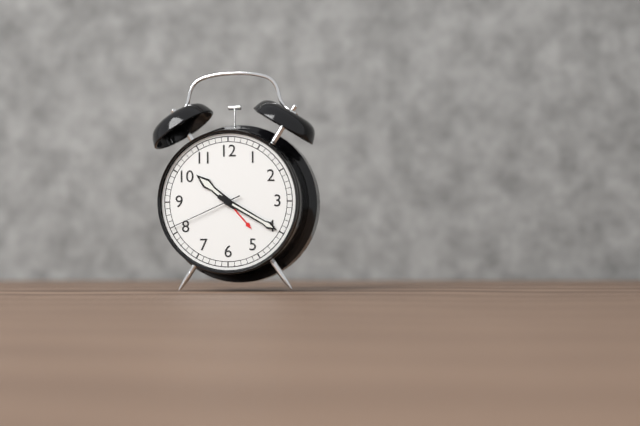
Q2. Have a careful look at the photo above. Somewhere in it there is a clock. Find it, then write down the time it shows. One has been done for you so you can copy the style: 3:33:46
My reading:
10:20:41
